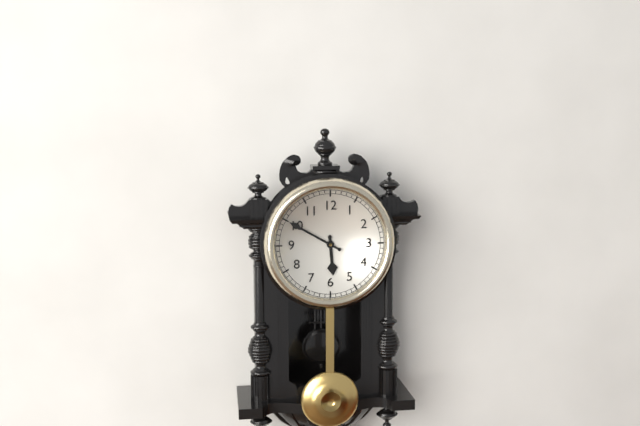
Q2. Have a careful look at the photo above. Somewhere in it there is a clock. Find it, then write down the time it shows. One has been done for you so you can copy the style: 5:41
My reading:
5:50
